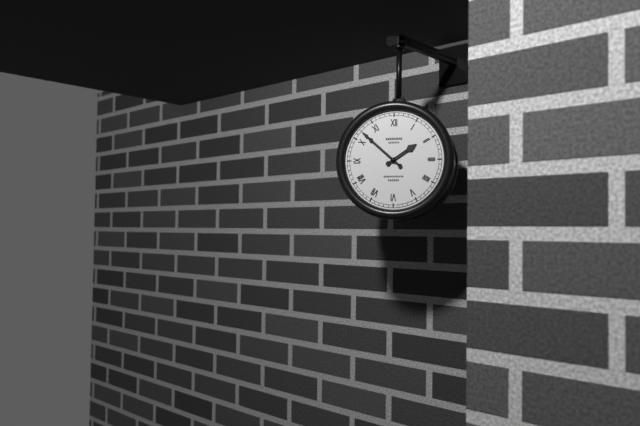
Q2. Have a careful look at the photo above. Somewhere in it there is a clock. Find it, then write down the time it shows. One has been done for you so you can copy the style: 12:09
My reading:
1:52
